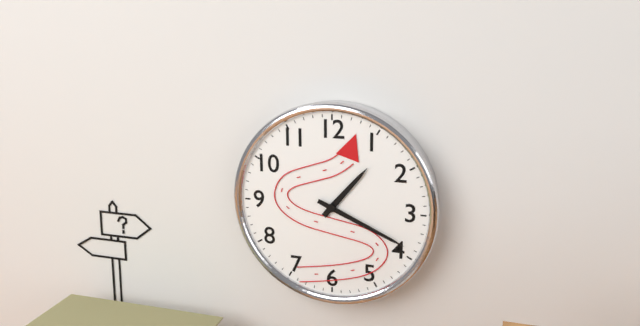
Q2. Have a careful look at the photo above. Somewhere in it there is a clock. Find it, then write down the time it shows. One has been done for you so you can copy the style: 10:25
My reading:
1:19
